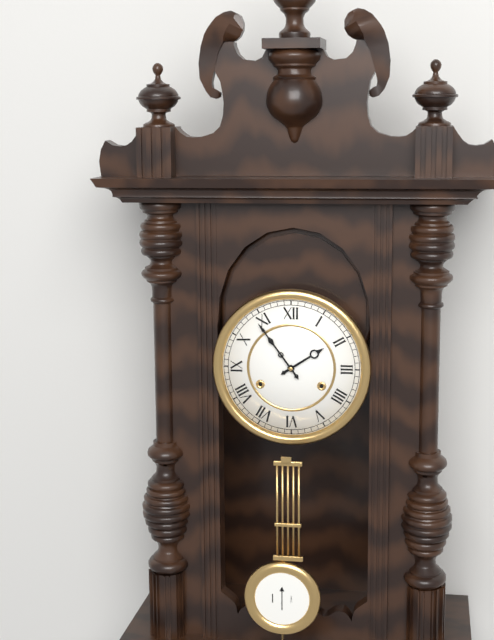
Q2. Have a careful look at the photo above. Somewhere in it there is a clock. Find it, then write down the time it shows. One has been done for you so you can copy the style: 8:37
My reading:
1:54
